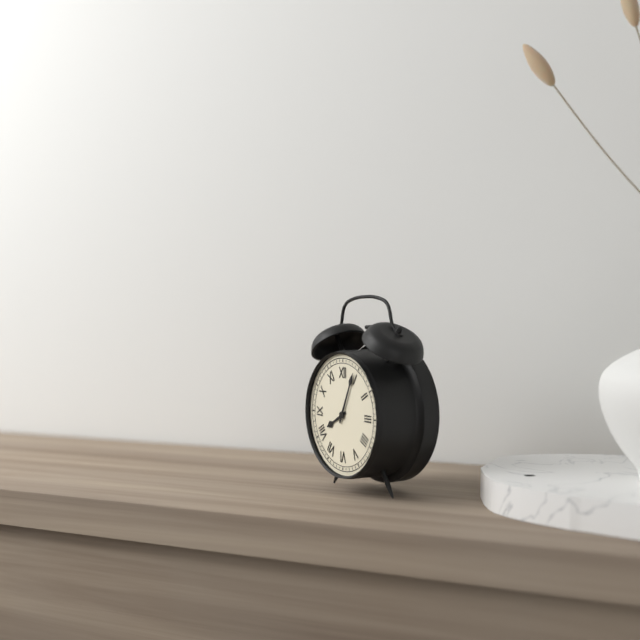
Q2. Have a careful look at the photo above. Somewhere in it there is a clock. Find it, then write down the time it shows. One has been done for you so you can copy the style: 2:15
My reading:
8:04
